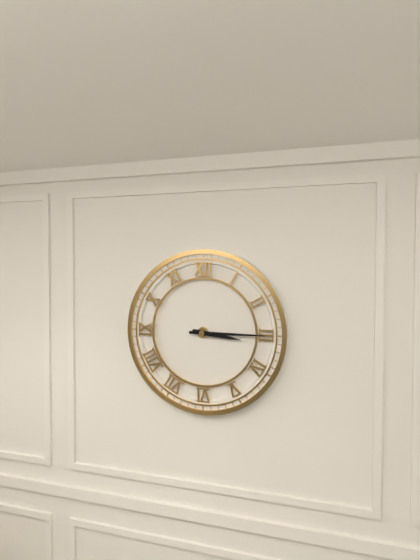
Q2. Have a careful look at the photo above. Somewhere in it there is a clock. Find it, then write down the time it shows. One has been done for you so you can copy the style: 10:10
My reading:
3:15
